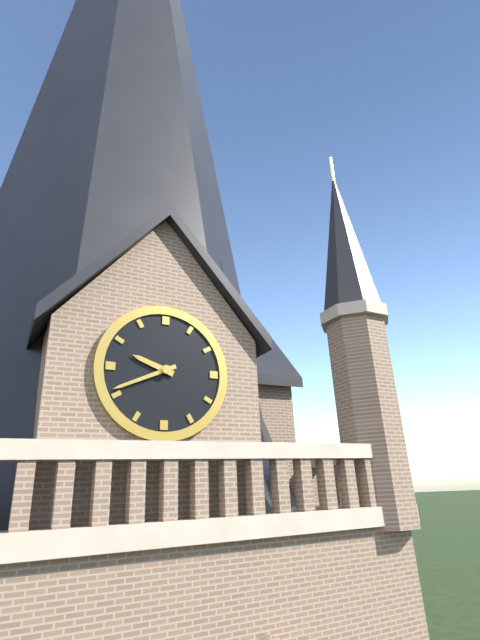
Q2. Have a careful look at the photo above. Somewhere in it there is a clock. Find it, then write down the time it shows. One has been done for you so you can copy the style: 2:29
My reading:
9:41
